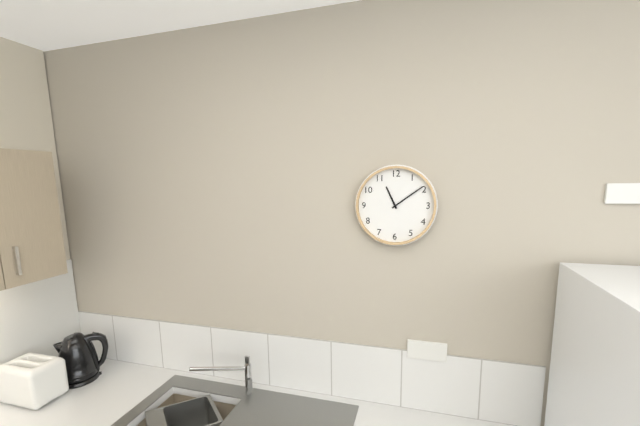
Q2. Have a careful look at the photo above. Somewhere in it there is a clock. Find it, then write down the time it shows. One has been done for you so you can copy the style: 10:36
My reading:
11:09
